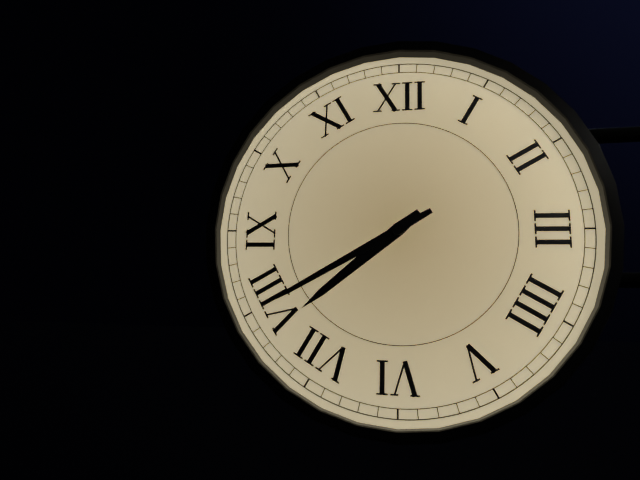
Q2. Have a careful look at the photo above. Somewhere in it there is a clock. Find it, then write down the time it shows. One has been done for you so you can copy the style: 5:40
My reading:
7:40
